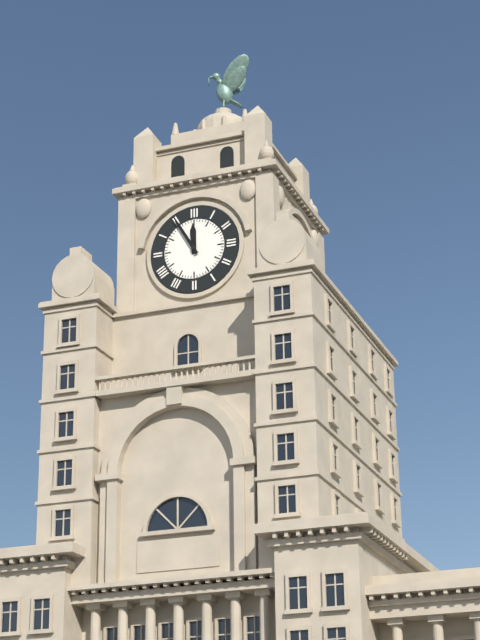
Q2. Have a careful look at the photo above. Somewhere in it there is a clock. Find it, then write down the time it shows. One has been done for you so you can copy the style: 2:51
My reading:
11:55
